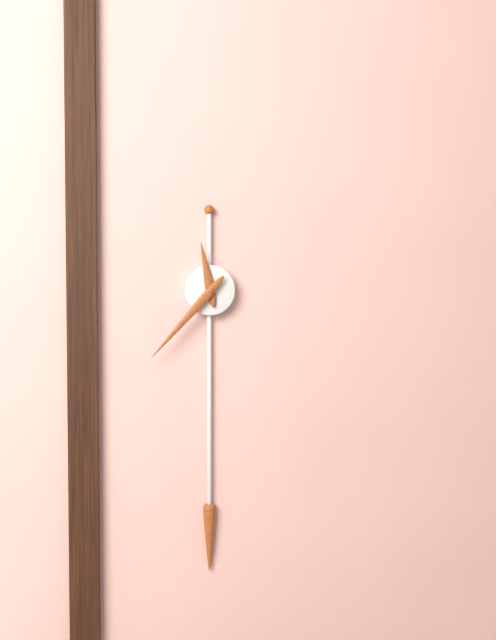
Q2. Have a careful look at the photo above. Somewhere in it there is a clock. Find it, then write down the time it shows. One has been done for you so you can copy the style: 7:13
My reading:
11:37
